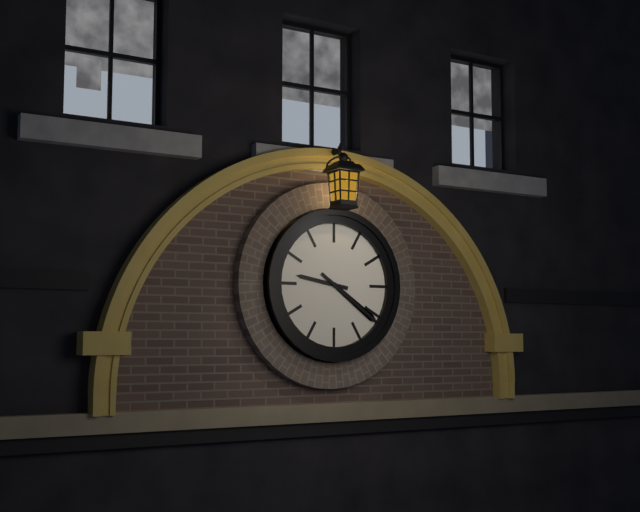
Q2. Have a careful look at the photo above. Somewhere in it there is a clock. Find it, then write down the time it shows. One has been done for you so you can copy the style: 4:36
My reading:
9:21
